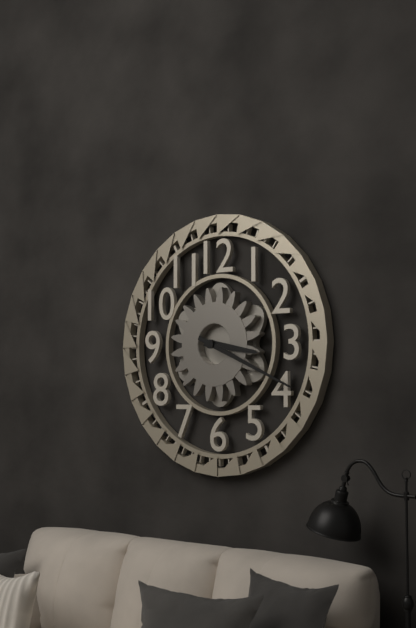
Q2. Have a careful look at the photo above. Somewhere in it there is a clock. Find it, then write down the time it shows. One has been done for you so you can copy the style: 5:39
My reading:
3:19
